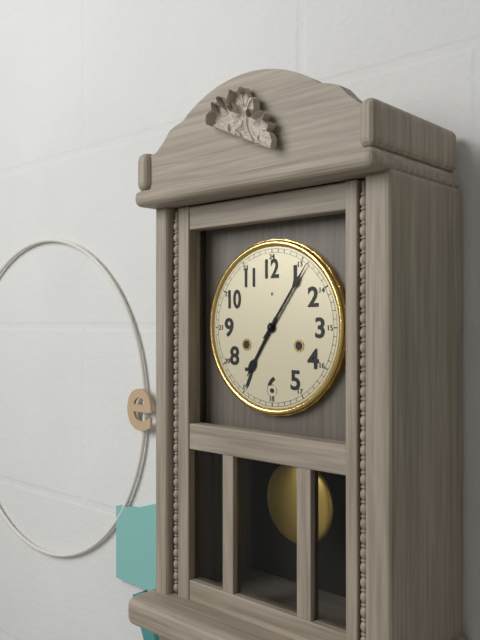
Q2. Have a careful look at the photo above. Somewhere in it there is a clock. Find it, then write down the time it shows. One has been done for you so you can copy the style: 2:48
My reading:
7:06
